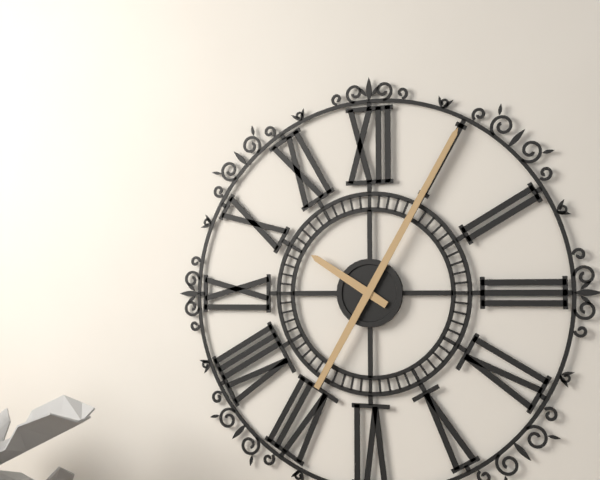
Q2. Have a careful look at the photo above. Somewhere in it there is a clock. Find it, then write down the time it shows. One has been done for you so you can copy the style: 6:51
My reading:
10:05
